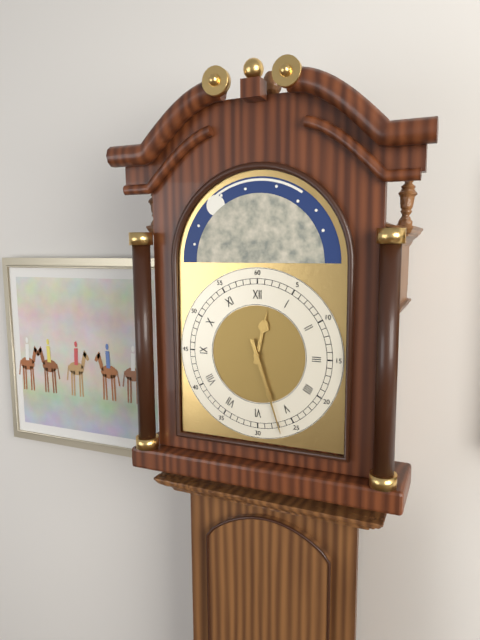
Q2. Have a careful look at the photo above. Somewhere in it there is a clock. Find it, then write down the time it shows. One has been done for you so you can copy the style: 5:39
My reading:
12:27
